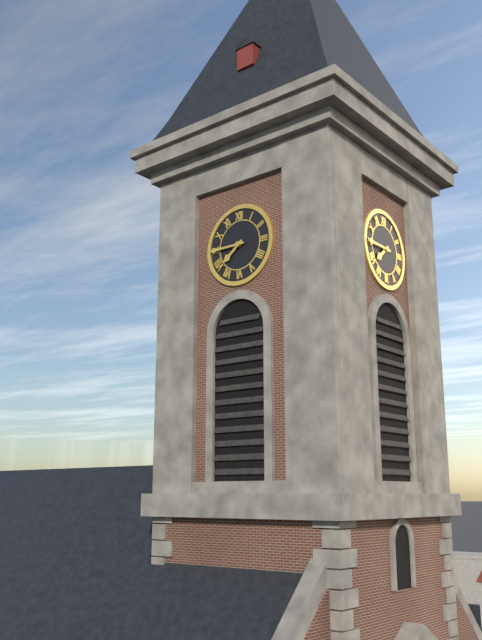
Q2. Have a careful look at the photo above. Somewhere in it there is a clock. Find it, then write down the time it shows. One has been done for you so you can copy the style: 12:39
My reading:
7:45
